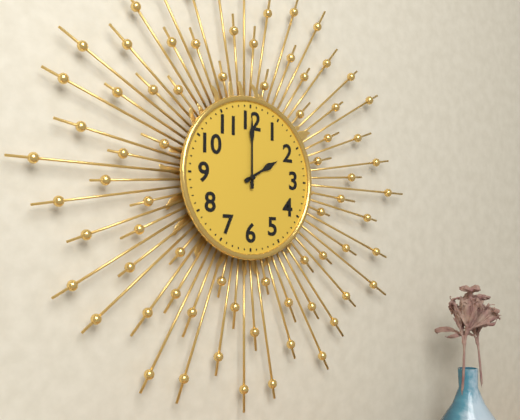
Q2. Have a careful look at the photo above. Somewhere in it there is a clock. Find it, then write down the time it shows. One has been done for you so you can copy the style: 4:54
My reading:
2:00
